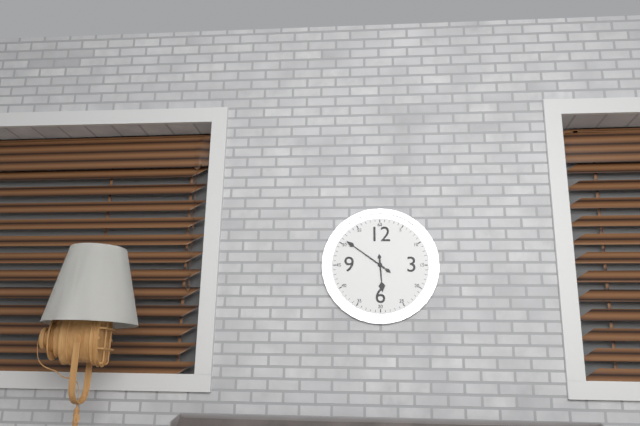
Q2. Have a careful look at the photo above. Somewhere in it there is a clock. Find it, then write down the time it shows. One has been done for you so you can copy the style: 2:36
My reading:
5:51
